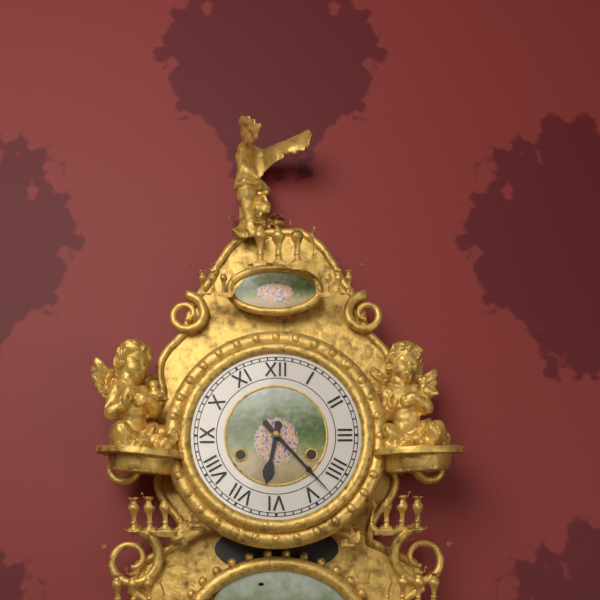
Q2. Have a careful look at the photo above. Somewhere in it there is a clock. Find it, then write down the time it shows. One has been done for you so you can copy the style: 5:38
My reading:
6:23
